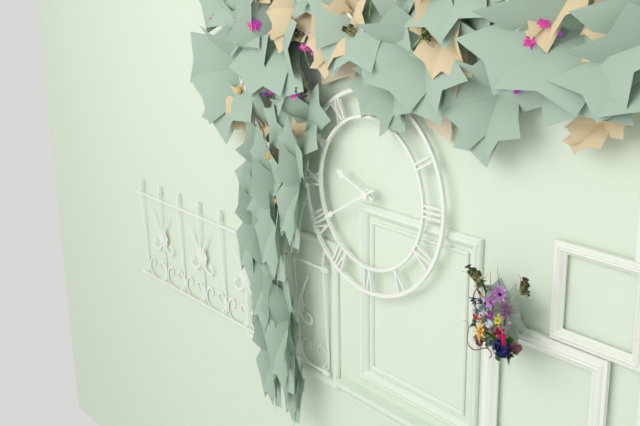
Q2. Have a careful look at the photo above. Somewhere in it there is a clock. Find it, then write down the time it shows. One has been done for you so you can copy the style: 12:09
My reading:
9:40
